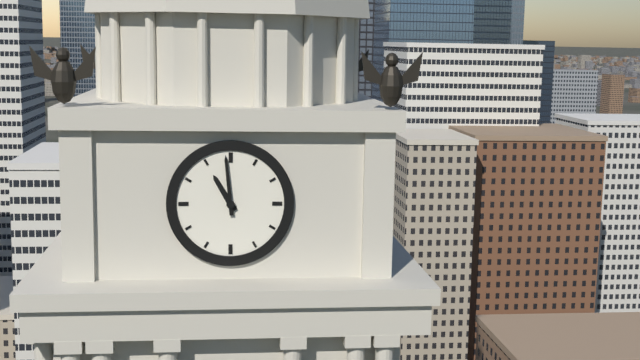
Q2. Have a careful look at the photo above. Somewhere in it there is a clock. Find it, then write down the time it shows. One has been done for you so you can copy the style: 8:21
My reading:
10:59
